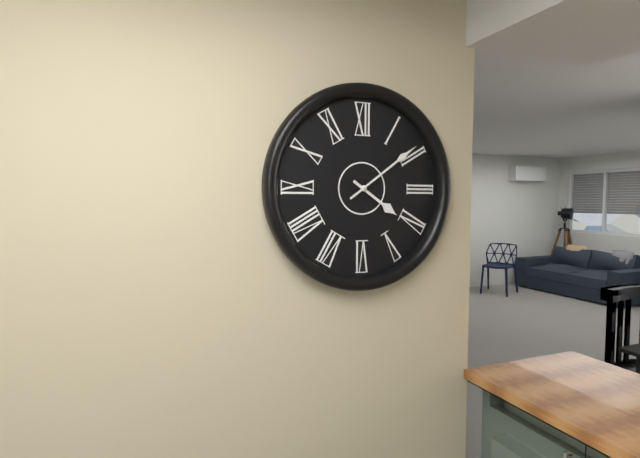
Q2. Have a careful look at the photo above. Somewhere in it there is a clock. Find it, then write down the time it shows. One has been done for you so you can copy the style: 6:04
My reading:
4:09
